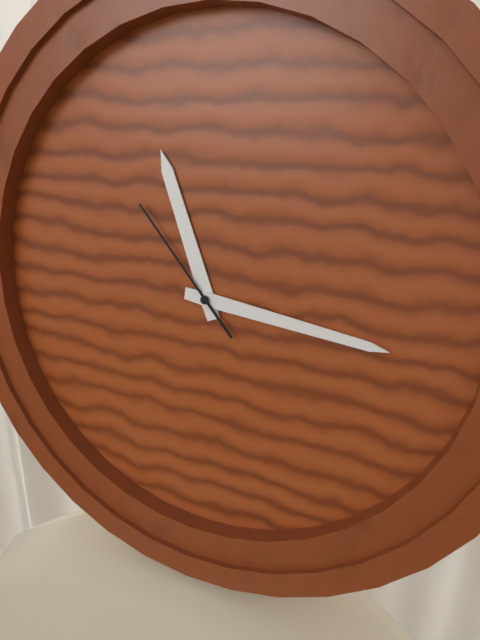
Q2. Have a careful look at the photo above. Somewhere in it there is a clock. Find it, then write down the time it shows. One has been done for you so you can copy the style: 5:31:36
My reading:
11:16:53
